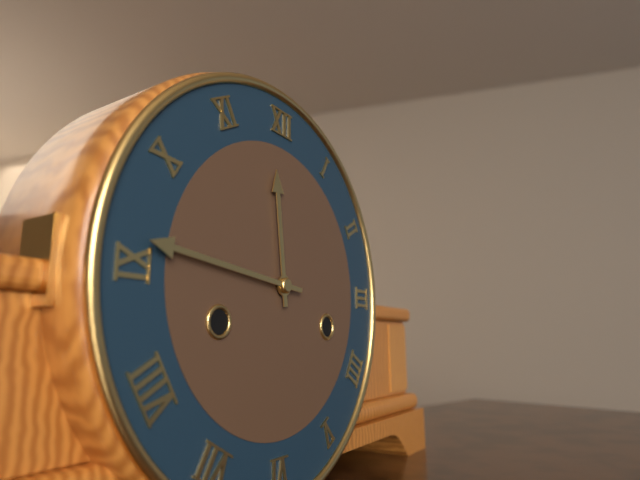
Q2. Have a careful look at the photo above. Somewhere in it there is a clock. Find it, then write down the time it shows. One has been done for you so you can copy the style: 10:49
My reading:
11:46
